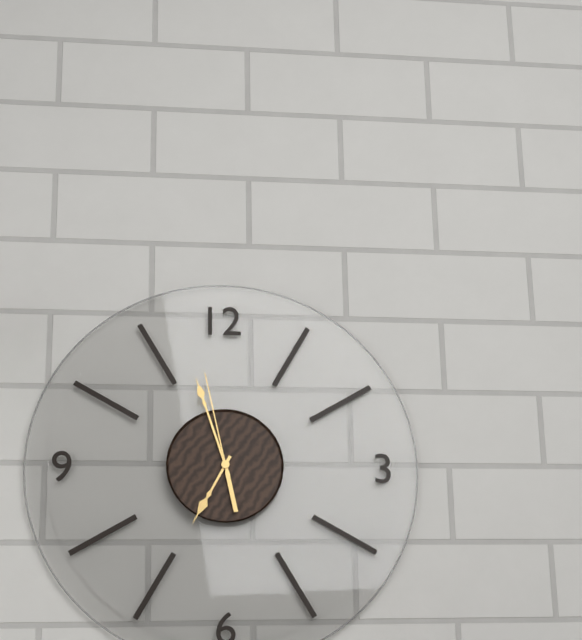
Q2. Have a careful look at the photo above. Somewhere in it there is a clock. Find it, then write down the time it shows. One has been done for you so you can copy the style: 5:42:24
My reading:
6:57:58
